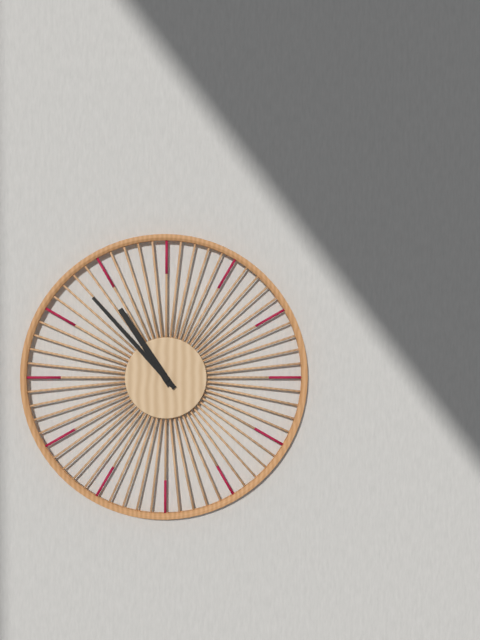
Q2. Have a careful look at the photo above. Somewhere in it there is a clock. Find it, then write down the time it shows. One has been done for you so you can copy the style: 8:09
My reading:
10:53
